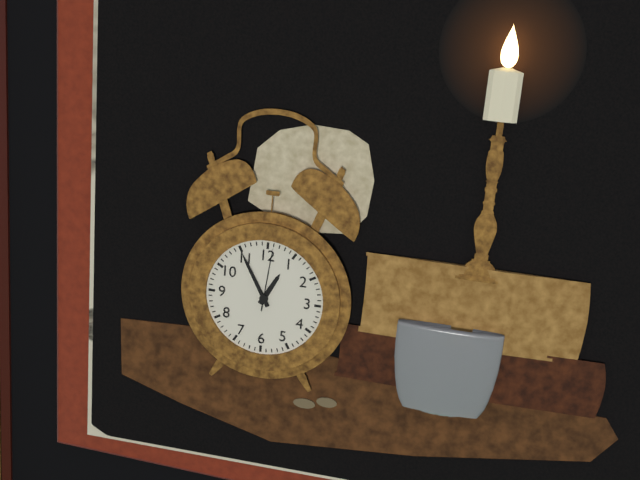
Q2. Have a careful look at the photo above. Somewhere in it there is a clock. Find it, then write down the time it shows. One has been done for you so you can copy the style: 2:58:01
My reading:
12:55:01
